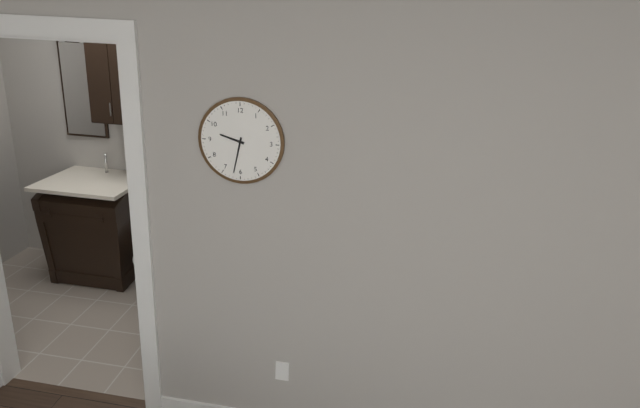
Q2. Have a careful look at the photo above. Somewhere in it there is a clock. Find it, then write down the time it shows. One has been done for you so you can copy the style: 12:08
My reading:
9:32
